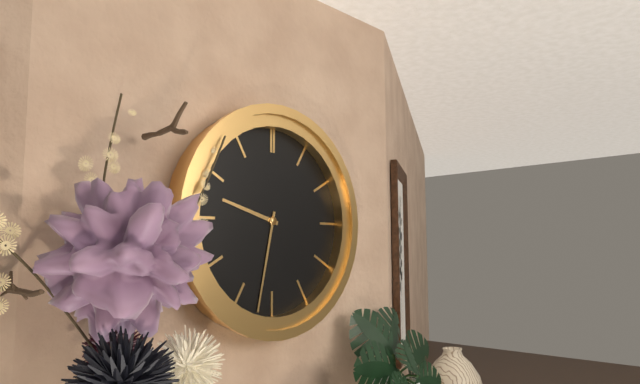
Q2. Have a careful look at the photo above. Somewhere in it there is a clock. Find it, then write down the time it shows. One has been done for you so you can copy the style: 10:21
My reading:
9:32
